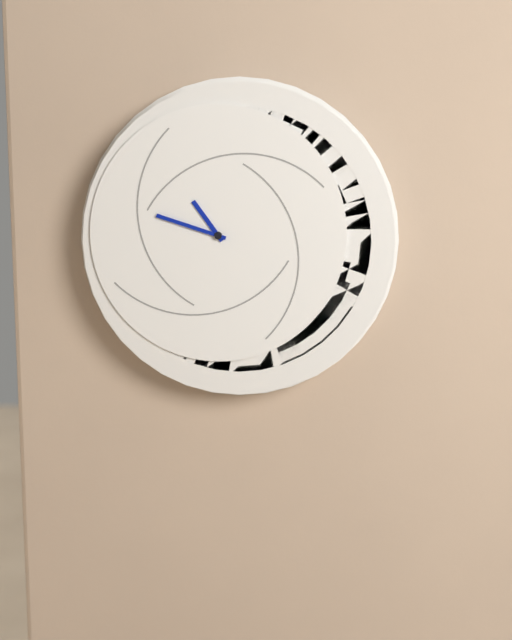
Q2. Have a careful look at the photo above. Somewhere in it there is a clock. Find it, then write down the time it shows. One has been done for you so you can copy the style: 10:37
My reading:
10:48
